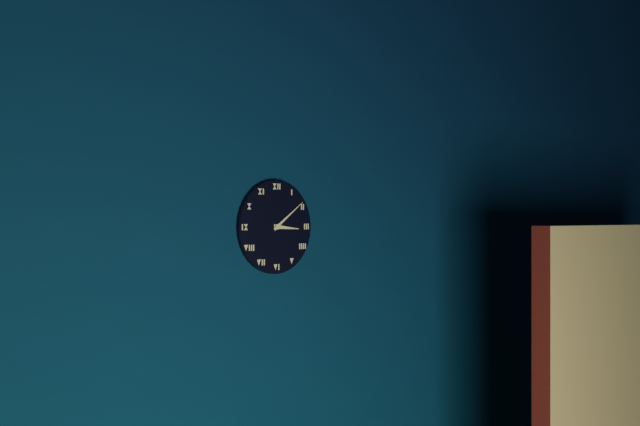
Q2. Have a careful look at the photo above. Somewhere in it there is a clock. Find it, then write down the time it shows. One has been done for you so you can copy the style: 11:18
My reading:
3:09
